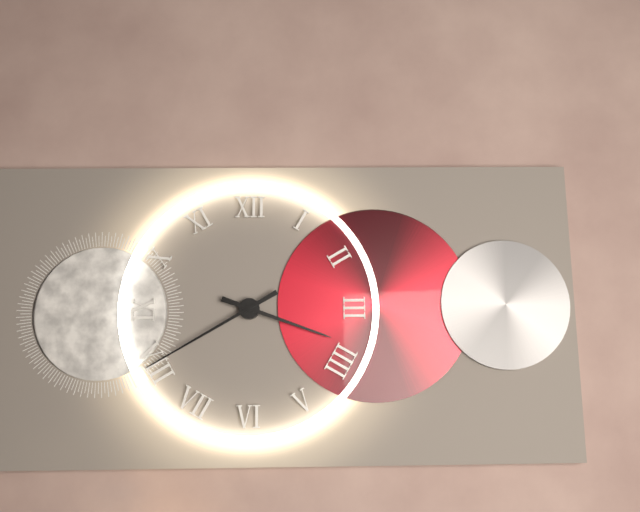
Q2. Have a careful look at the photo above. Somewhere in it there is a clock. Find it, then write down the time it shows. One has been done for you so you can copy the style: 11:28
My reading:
3:40
